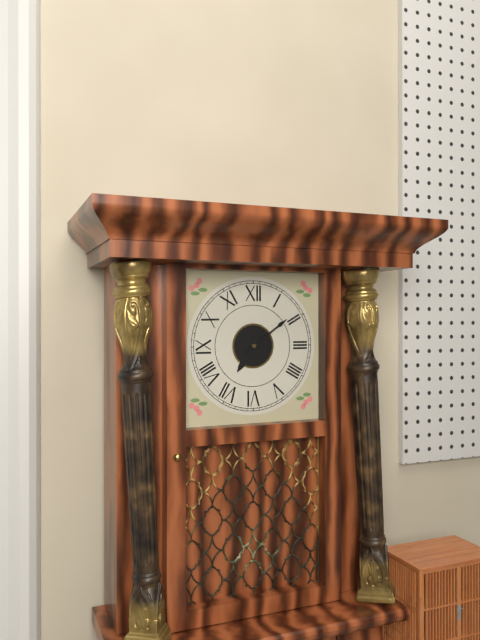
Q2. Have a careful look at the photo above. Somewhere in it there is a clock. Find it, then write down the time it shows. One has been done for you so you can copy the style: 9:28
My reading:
7:09
